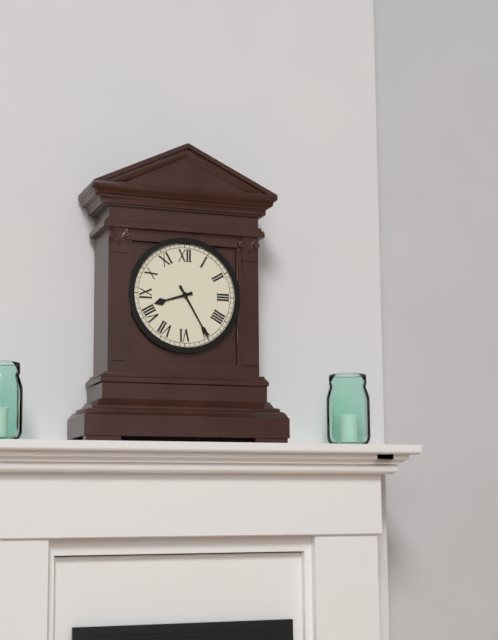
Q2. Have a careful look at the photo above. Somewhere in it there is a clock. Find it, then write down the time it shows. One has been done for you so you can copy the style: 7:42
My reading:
8:25
